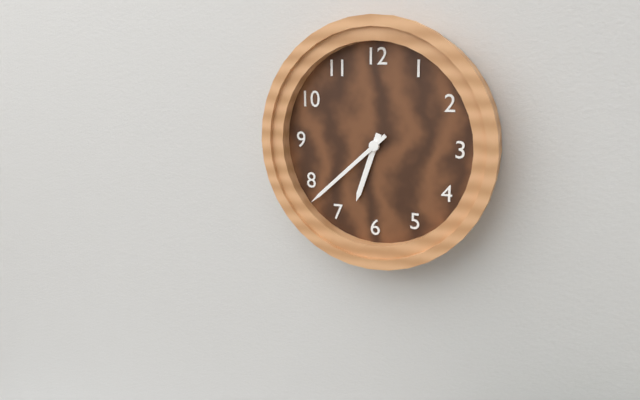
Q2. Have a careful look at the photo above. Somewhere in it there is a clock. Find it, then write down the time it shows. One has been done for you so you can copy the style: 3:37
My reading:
6:38
